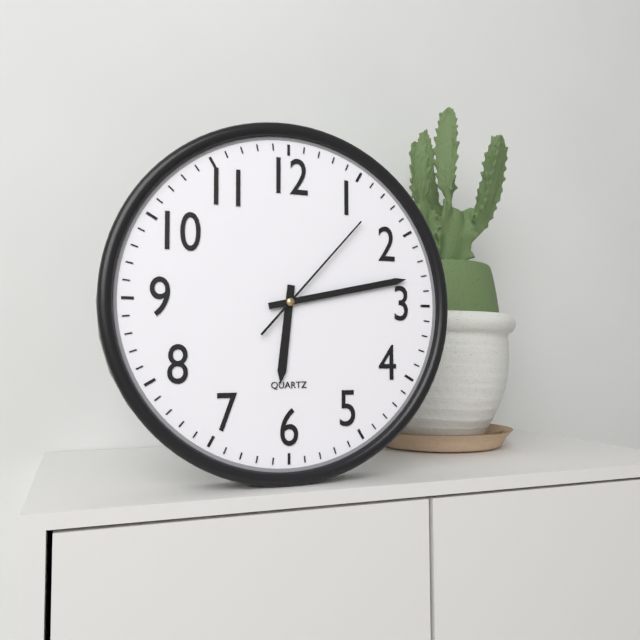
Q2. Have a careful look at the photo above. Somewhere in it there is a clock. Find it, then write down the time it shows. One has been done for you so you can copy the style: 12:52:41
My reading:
6:13:07
